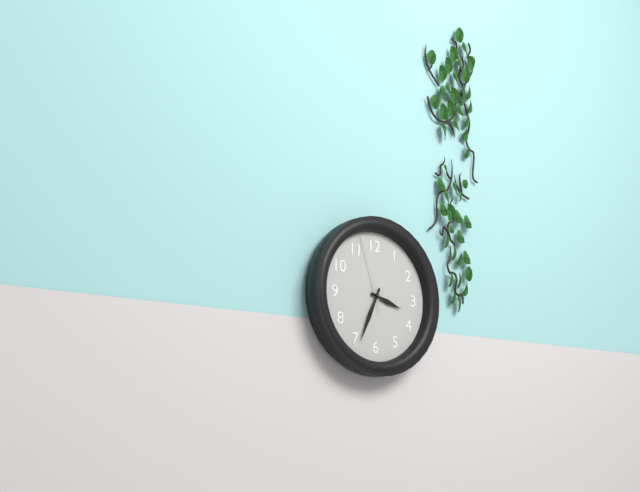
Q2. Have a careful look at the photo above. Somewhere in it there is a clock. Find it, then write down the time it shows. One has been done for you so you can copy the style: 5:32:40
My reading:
3:34:57
